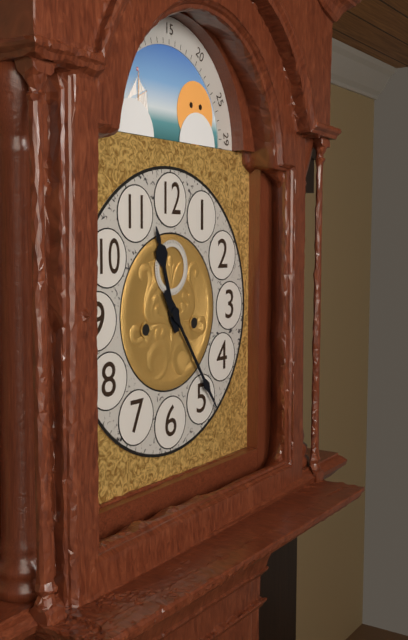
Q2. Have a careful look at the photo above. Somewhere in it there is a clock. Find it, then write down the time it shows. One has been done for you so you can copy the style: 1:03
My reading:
11:24
